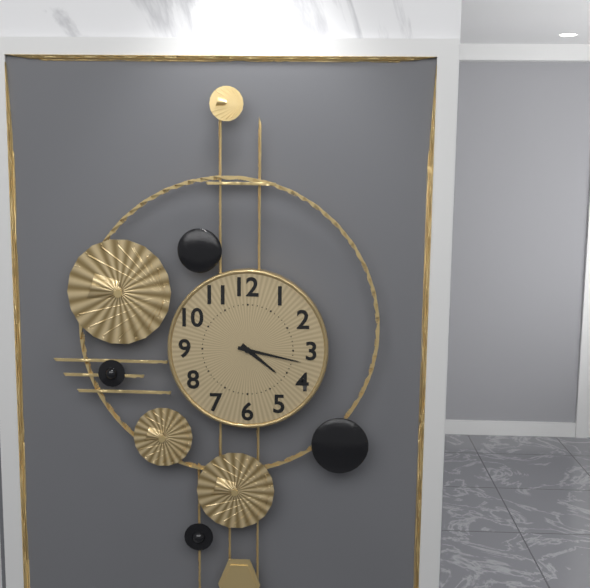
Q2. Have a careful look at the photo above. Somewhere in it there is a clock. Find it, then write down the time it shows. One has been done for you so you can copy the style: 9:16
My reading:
4:17
